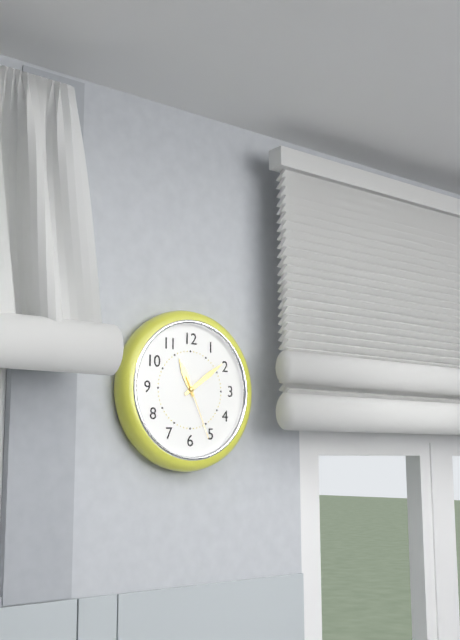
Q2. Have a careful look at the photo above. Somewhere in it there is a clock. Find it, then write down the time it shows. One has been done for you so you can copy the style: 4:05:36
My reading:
11:09:26
